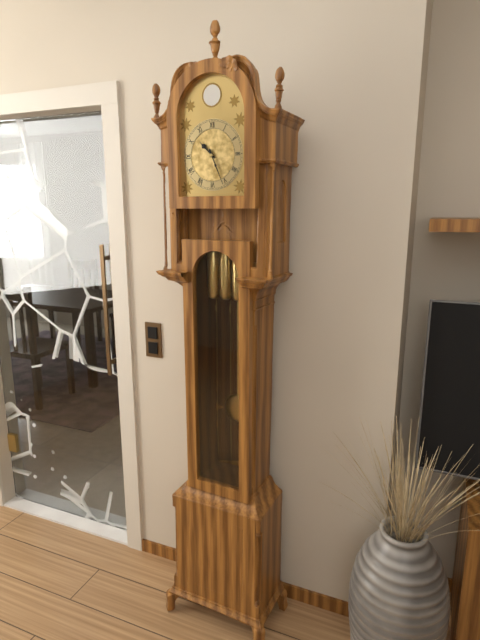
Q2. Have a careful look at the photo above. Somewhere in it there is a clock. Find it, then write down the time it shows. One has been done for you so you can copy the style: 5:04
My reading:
10:26
